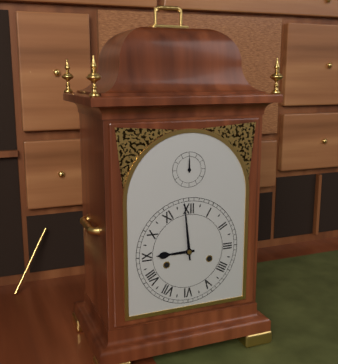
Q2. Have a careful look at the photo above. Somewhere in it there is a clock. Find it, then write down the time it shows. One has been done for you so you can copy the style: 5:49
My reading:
8:59
